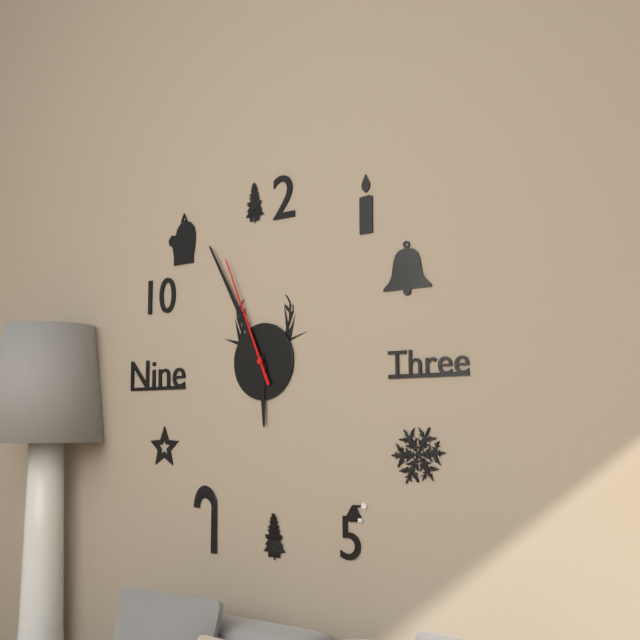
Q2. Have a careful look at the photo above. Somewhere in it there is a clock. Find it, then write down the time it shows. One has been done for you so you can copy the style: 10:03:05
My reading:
5:55:56
